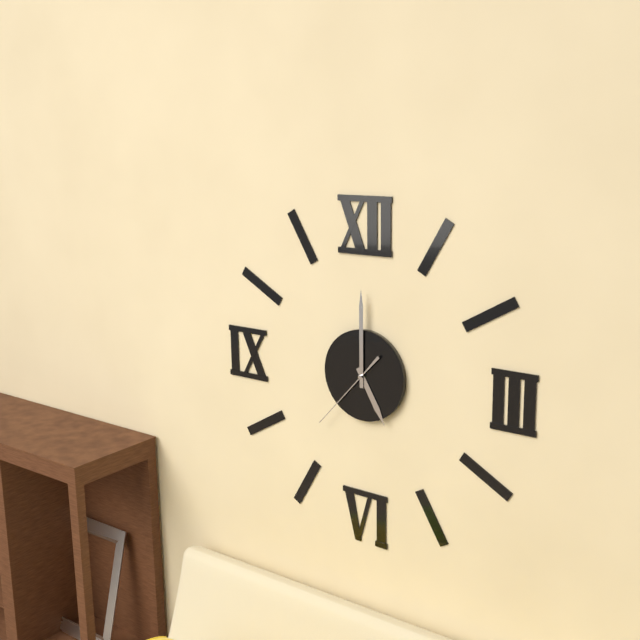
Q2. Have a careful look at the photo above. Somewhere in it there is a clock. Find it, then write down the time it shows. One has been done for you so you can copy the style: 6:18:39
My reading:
5:00:37
